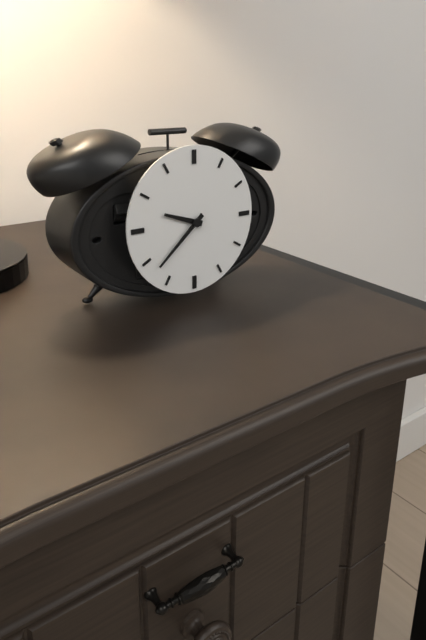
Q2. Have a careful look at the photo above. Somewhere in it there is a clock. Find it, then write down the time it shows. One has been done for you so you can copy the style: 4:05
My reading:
9:38
